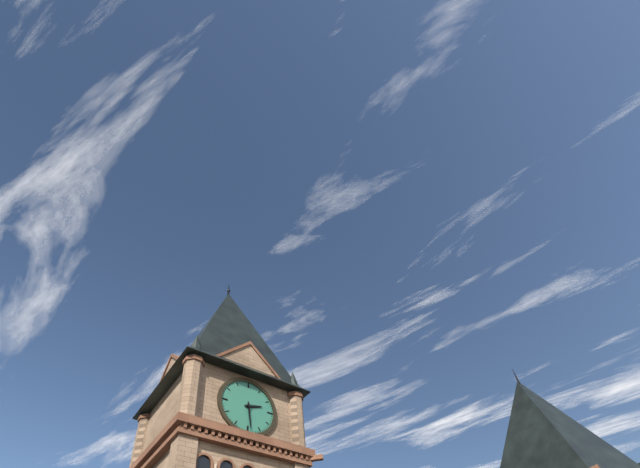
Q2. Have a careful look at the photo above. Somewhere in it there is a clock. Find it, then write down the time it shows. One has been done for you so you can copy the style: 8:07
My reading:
2:29
